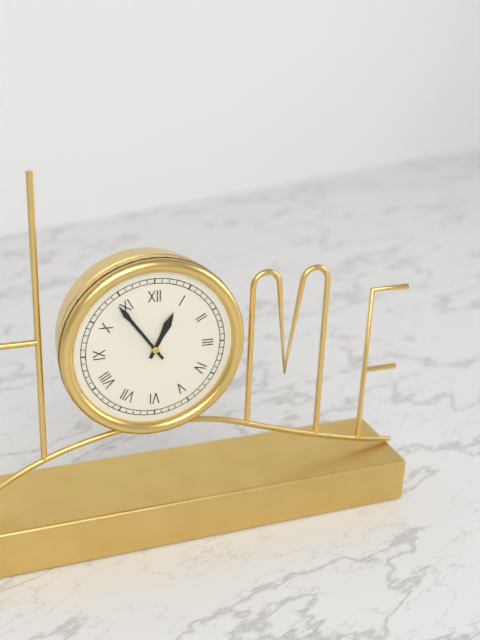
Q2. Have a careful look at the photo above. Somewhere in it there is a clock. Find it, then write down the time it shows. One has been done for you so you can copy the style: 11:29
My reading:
12:54
